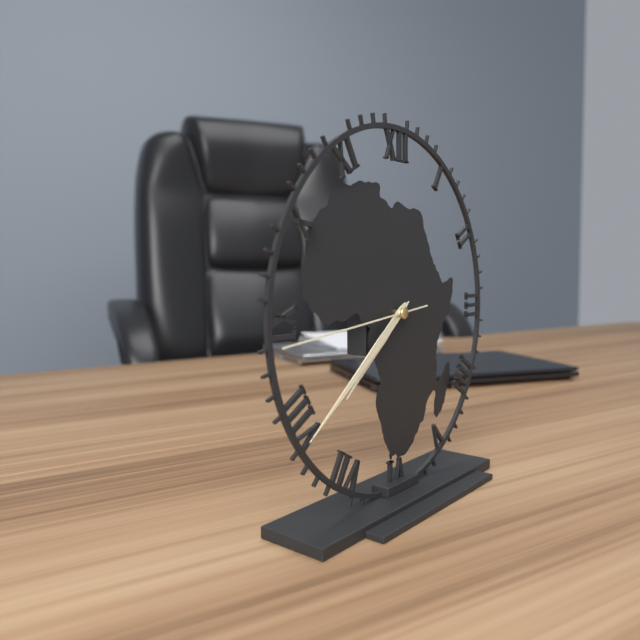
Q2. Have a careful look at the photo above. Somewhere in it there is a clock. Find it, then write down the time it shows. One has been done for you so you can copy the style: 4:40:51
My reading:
7:39:44
